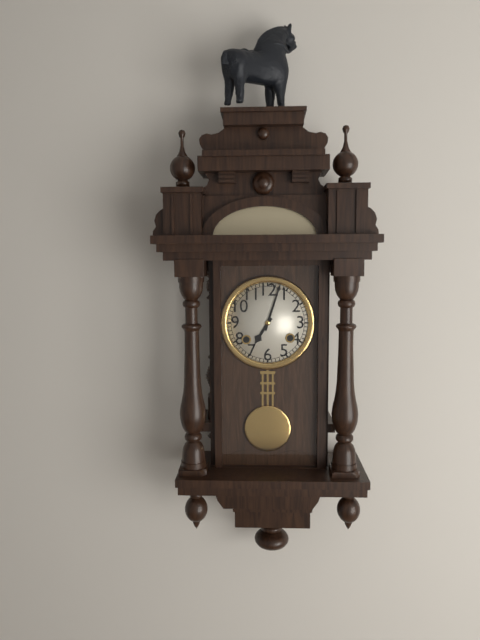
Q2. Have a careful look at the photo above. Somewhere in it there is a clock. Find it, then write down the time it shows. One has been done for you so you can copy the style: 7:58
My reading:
7:03
